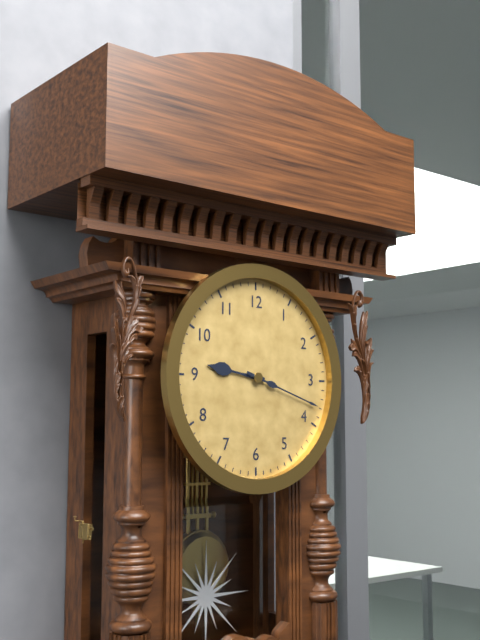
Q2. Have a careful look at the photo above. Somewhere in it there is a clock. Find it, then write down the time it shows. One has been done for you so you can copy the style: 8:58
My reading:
9:18
